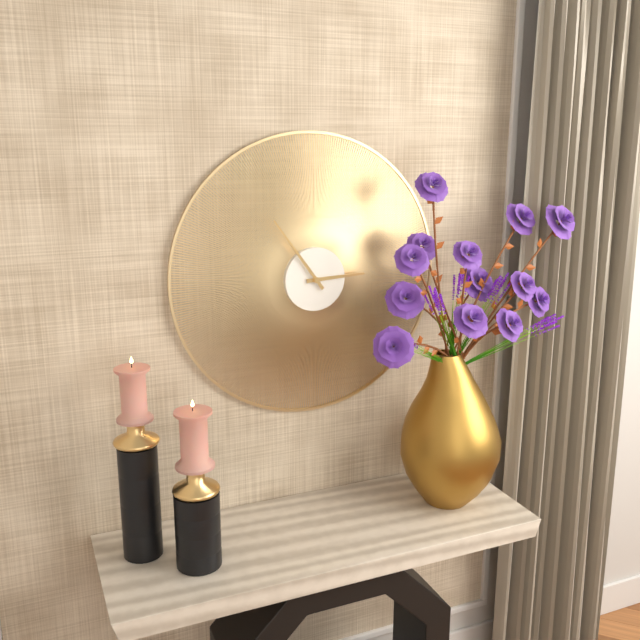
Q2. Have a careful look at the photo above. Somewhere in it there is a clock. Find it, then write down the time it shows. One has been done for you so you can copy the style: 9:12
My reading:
2:54
